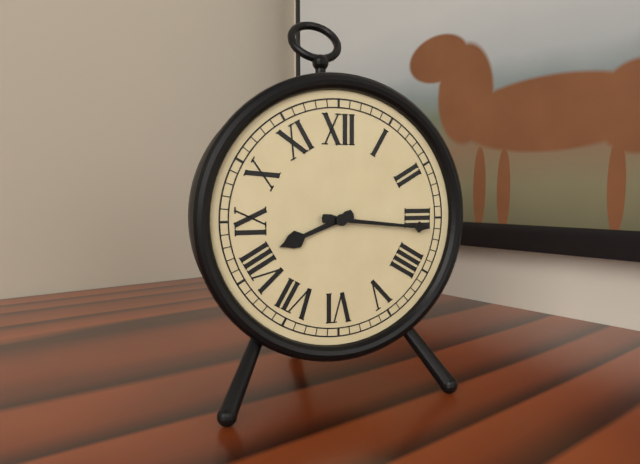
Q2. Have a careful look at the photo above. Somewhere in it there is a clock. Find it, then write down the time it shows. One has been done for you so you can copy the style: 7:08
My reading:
8:16
